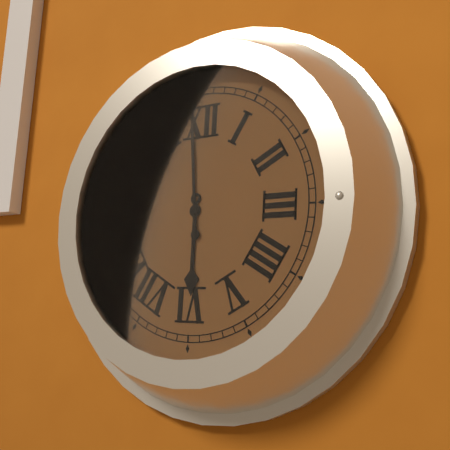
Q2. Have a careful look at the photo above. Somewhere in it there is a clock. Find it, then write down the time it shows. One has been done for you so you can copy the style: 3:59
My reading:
5:59
